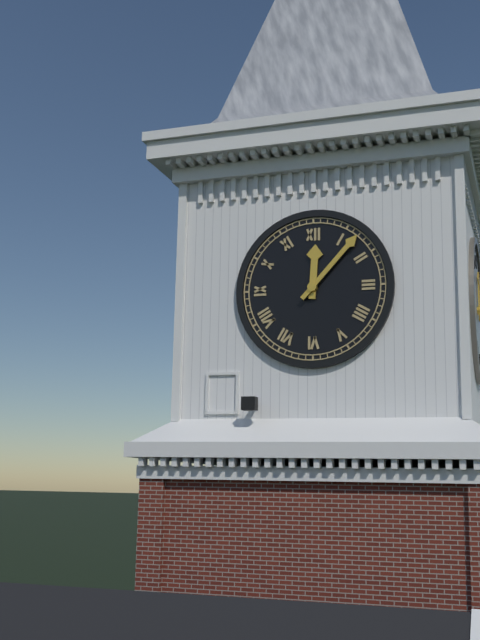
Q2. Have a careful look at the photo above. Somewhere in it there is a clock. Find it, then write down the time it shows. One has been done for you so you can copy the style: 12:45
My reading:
12:07
